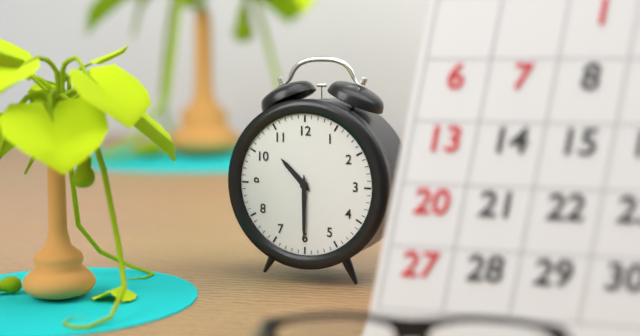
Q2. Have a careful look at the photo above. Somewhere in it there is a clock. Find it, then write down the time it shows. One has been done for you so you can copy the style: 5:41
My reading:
10:30
